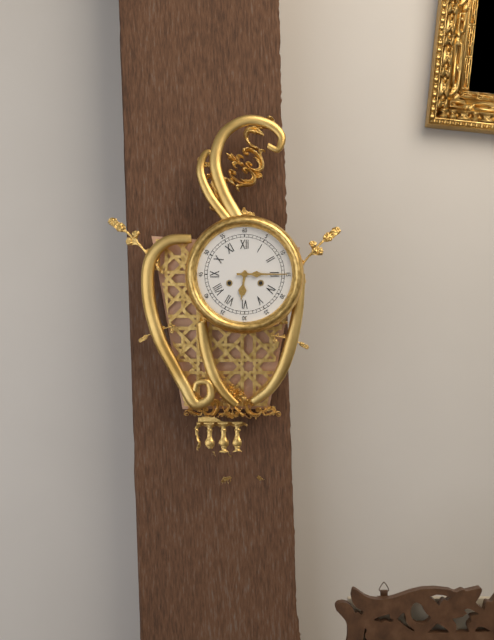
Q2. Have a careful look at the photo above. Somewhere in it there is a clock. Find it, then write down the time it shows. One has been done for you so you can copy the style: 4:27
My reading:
6:15
